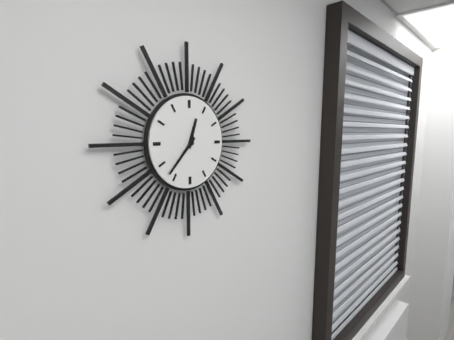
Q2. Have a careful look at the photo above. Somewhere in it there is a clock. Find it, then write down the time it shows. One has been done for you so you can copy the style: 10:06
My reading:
12:37
